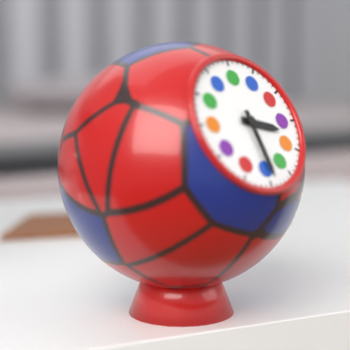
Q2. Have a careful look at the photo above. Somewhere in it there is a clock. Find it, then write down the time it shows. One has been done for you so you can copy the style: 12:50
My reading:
3:29
